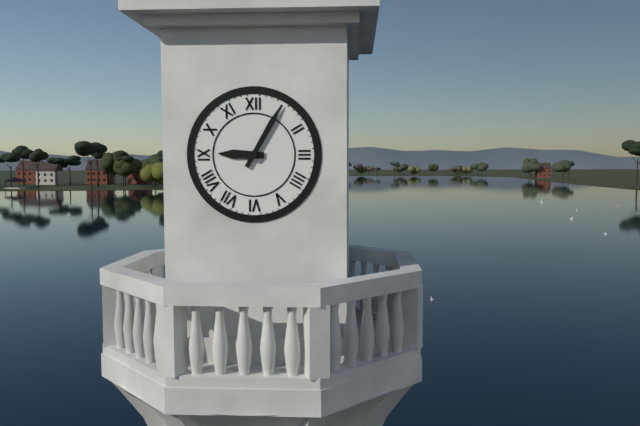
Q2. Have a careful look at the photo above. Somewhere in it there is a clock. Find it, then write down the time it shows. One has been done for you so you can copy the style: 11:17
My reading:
9:05
